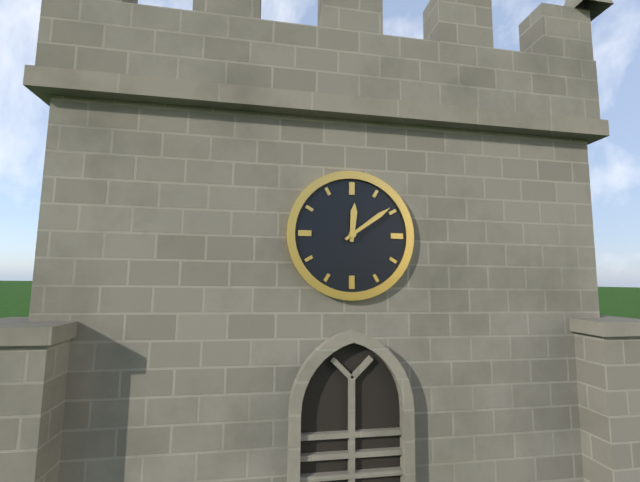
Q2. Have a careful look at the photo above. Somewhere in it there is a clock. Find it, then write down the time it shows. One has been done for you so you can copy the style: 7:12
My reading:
12:09
